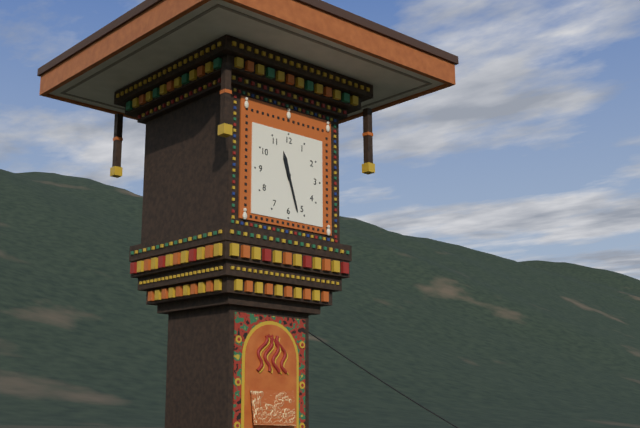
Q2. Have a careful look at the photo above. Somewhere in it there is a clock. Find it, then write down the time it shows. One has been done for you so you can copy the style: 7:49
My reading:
11:27
